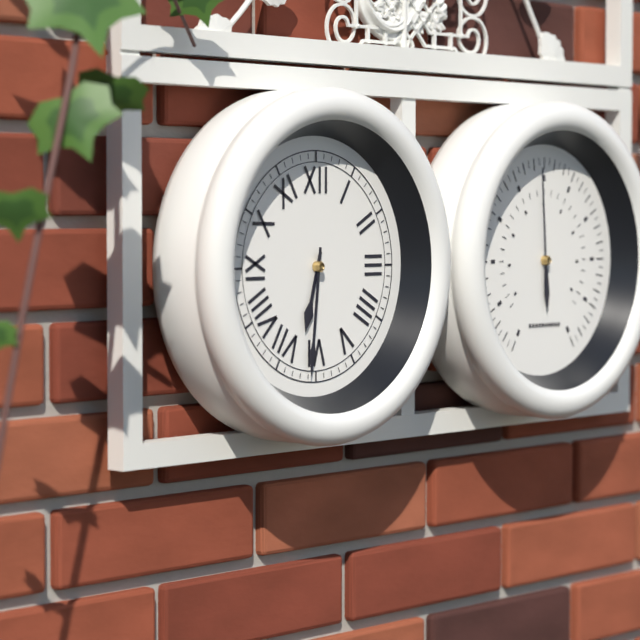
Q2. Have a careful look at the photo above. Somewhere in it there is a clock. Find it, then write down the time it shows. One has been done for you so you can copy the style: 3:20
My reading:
6:31
